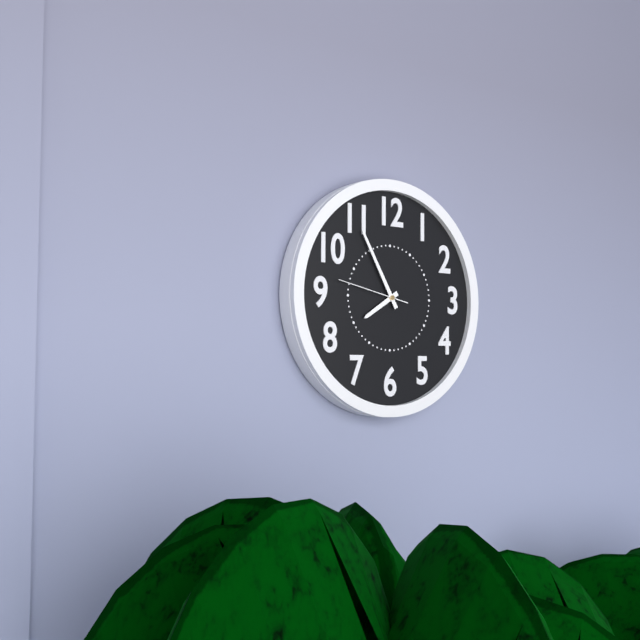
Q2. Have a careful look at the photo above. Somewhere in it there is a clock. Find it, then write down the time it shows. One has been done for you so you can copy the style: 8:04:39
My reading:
7:55:47
